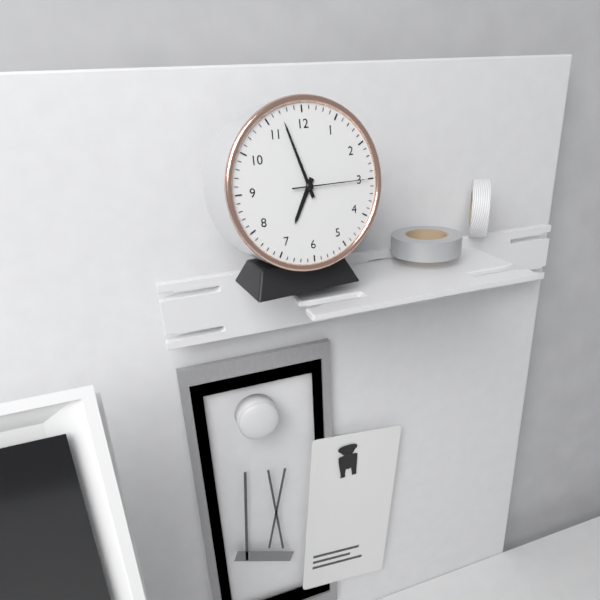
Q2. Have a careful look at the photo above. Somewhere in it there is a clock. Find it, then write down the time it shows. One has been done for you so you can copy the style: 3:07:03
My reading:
6:57:15
